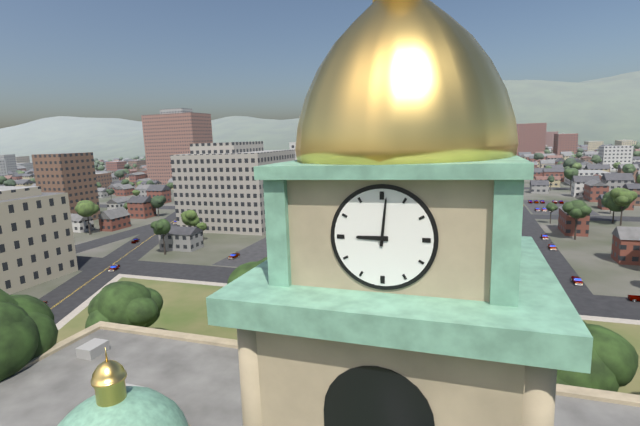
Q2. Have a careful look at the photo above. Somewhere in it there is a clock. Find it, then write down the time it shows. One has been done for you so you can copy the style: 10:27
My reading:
9:01
